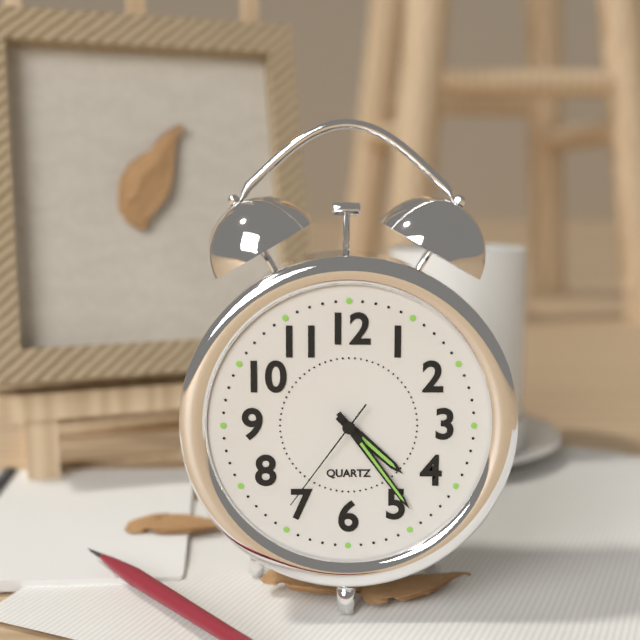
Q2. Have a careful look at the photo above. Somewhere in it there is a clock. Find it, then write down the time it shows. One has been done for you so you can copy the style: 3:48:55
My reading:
4:24:36
